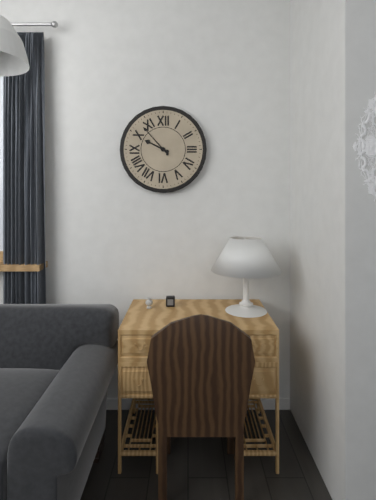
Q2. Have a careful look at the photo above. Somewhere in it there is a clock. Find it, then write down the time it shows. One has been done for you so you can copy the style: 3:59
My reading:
9:53
